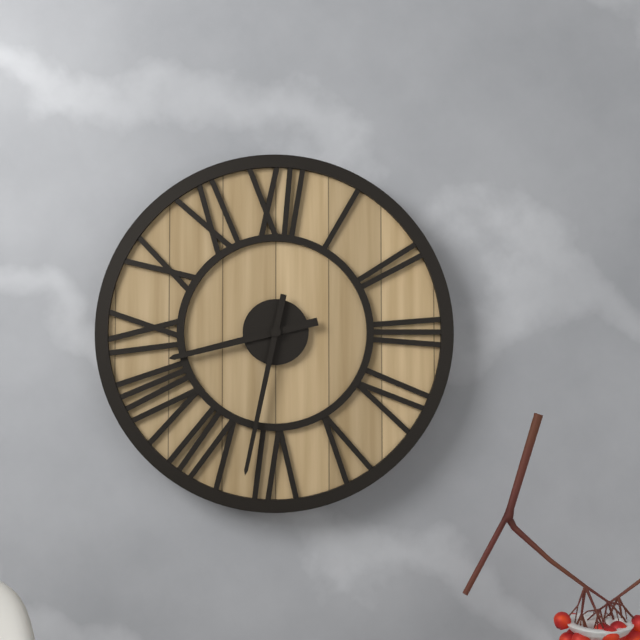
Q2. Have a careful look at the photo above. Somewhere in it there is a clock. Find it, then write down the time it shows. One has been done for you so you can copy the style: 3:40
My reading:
8:32
